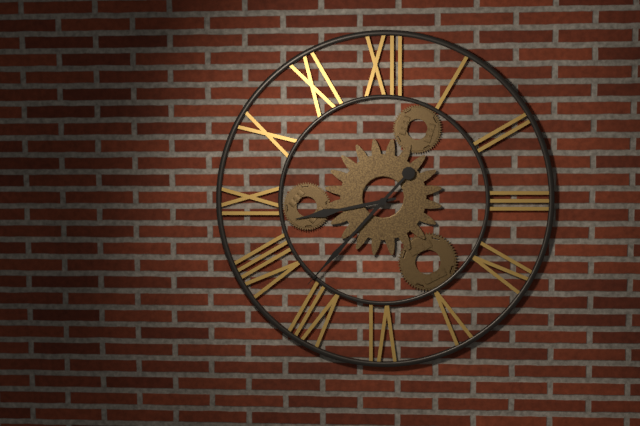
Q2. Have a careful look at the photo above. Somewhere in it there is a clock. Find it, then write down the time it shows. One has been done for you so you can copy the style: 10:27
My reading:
8:37
